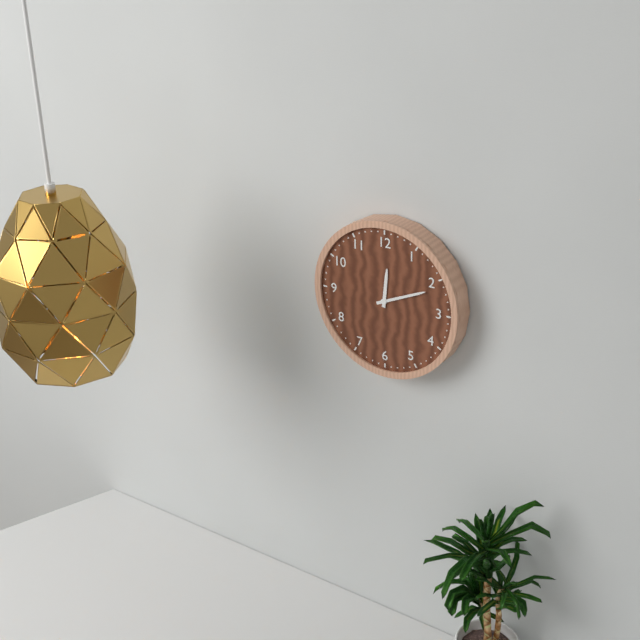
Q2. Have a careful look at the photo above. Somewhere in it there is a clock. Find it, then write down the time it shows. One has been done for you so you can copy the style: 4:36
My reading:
12:11
